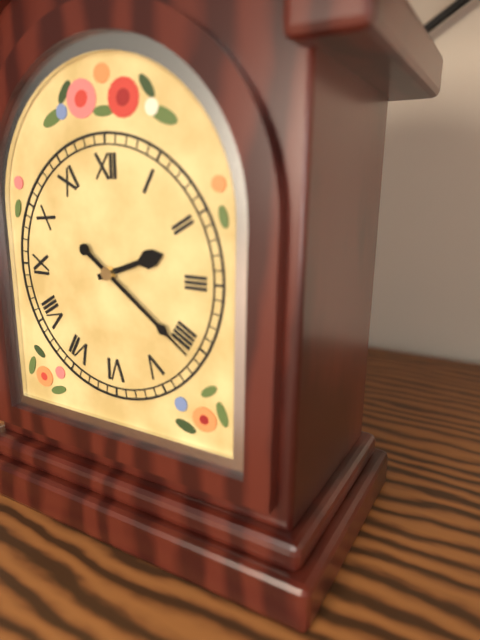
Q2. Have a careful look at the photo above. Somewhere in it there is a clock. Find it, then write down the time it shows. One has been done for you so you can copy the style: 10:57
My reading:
2:21
